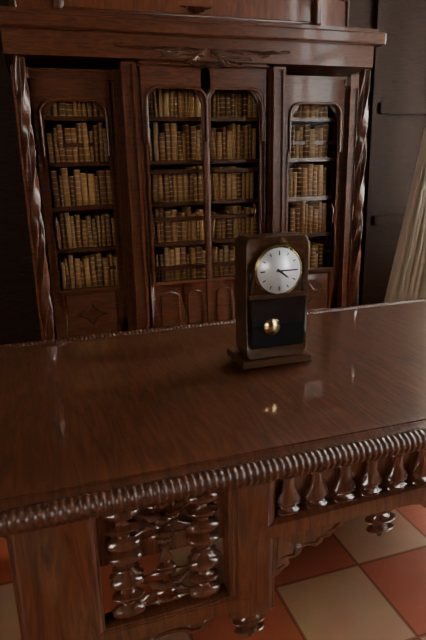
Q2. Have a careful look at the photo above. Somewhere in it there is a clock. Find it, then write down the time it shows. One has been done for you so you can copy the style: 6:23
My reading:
4:15
